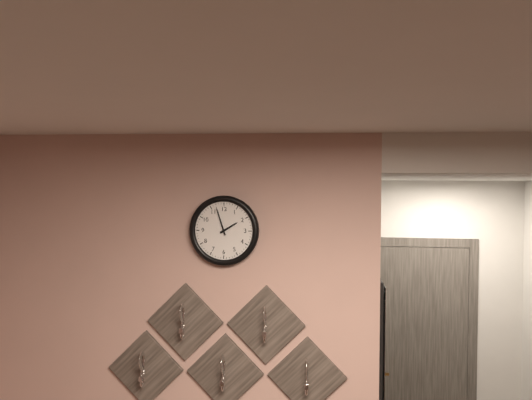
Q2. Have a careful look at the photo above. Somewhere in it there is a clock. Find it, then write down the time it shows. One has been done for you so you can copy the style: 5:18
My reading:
1:57
